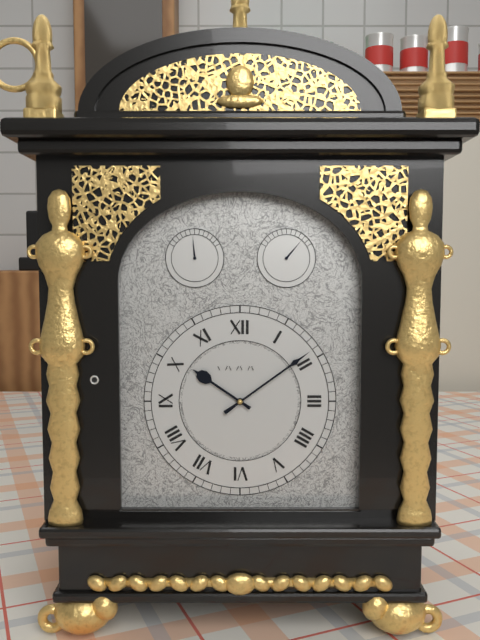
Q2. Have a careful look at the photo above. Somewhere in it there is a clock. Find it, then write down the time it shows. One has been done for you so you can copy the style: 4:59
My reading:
10:09
